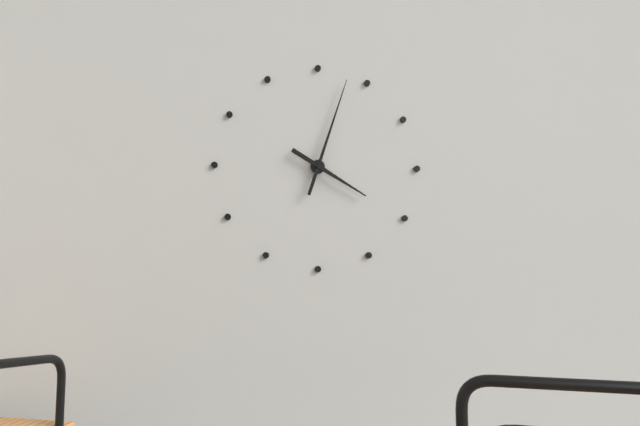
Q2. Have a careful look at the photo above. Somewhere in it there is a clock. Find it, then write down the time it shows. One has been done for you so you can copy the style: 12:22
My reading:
4:03
